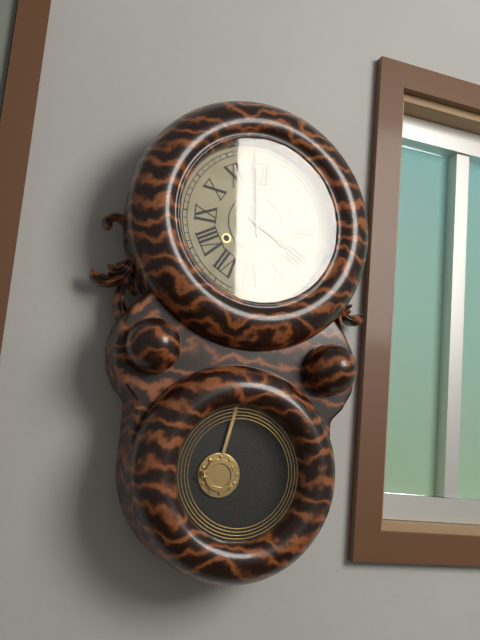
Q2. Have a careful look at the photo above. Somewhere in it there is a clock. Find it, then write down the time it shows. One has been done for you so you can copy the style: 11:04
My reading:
3:59
